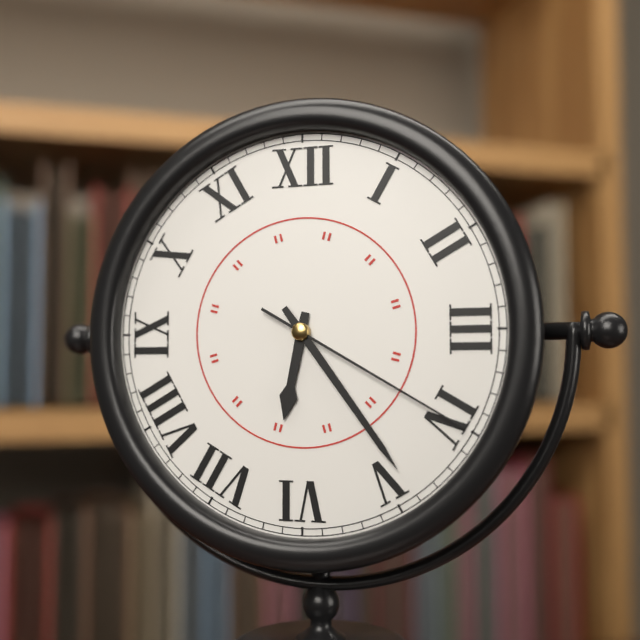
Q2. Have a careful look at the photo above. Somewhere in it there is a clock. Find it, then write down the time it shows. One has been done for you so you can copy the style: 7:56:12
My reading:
6:24:20
